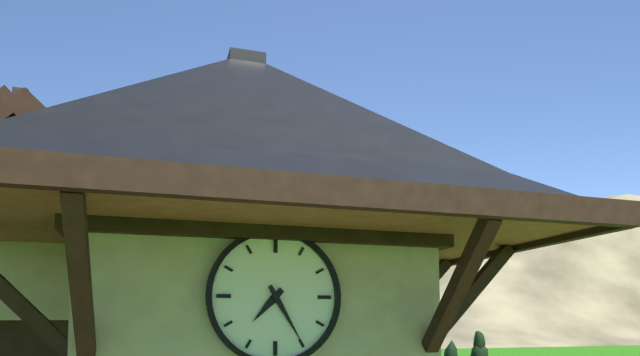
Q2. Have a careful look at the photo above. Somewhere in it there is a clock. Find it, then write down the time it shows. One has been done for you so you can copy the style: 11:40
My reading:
7:25
